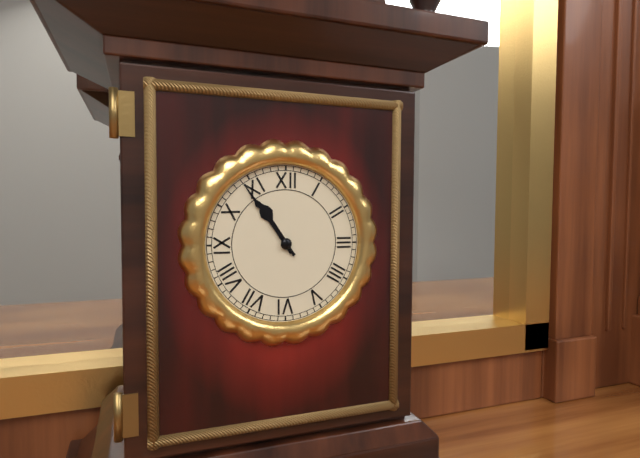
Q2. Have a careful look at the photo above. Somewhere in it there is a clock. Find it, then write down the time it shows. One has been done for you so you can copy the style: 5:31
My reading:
10:54
